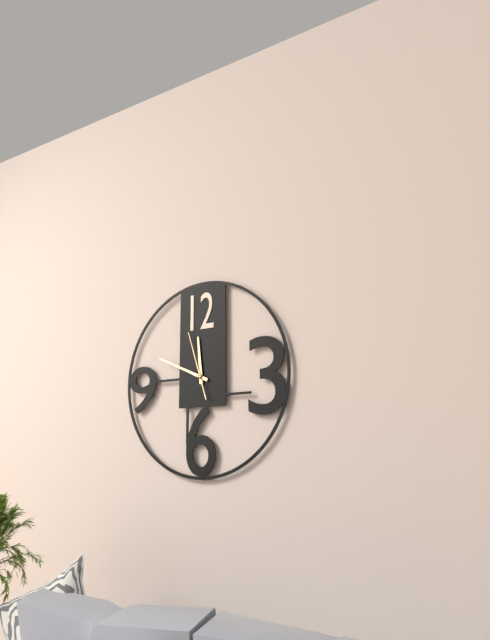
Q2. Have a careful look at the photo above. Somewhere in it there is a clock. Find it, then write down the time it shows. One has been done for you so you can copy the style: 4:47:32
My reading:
11:49:57
